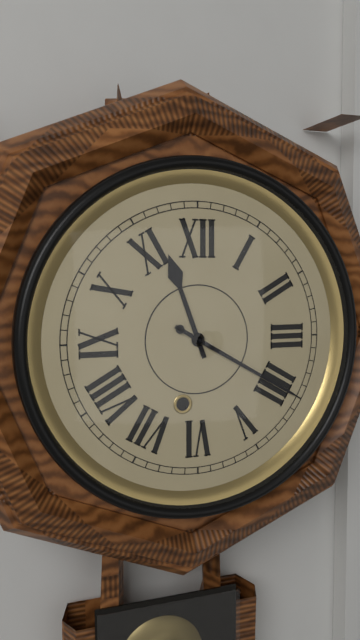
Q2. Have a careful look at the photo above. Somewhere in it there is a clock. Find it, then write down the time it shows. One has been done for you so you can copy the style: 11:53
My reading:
11:20
